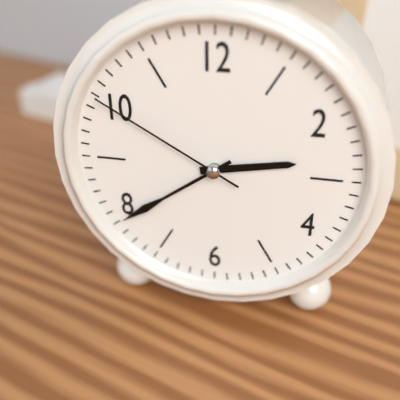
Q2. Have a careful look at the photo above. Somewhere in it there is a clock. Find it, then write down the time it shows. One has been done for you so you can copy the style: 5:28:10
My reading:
2:39:50
